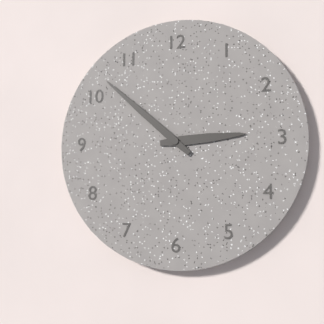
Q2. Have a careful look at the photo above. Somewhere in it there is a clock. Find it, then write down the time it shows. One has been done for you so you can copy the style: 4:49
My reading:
2:52
